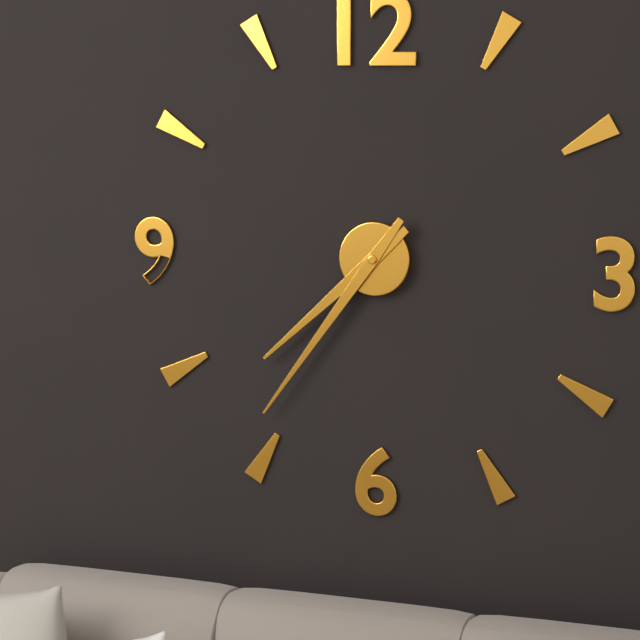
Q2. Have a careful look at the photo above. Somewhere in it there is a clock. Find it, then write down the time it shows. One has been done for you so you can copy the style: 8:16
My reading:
7:36
